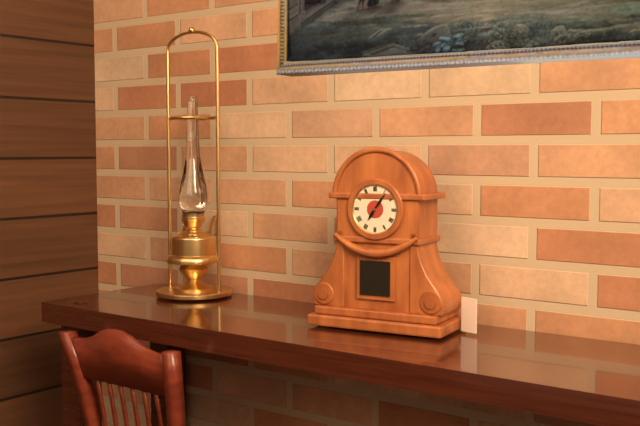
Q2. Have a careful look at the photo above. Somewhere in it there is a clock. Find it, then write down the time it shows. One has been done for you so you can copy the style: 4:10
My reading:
7:06
